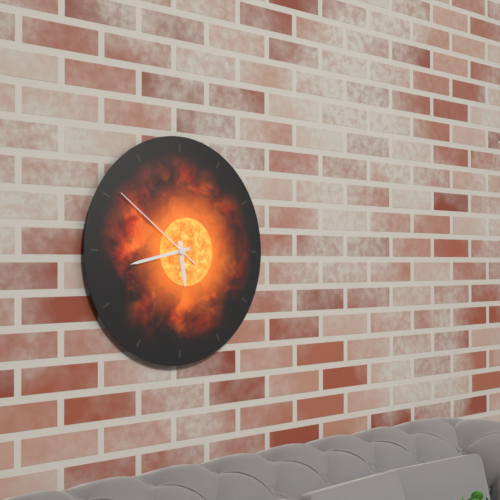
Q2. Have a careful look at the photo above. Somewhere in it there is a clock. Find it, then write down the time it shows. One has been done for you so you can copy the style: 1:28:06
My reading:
5:43:51
